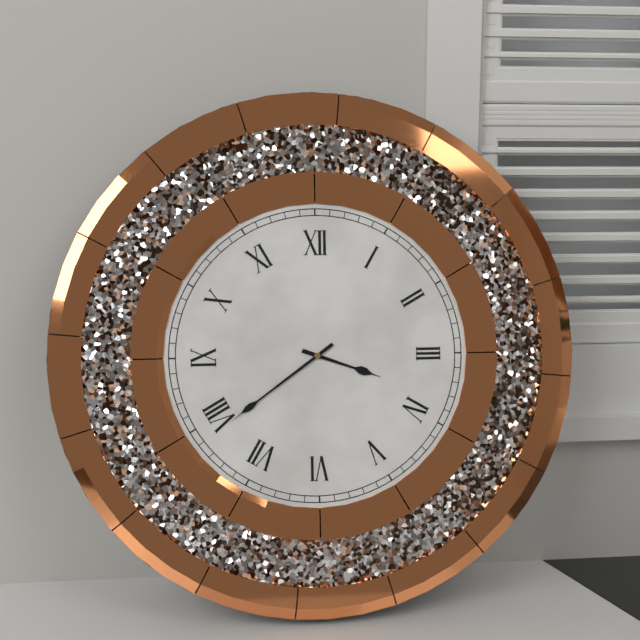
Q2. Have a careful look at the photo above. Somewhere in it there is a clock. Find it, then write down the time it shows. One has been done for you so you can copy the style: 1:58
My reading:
3:39
